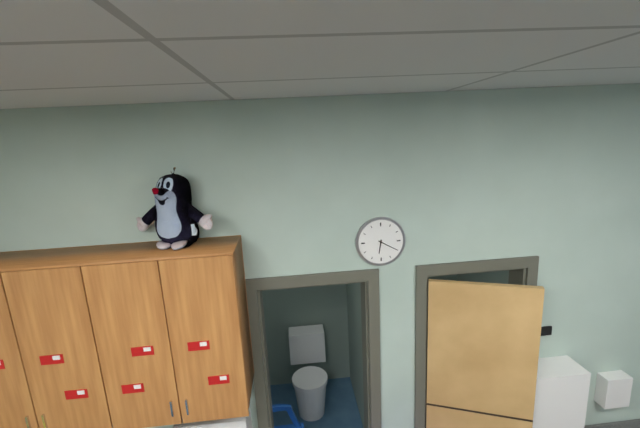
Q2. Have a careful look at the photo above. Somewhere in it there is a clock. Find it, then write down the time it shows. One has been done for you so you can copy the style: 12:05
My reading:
6:20
